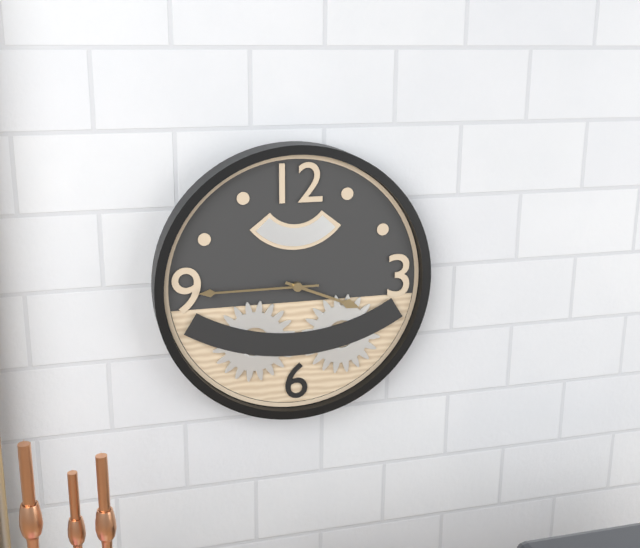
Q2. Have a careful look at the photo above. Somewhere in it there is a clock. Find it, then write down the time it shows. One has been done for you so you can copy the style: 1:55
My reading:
3:45
